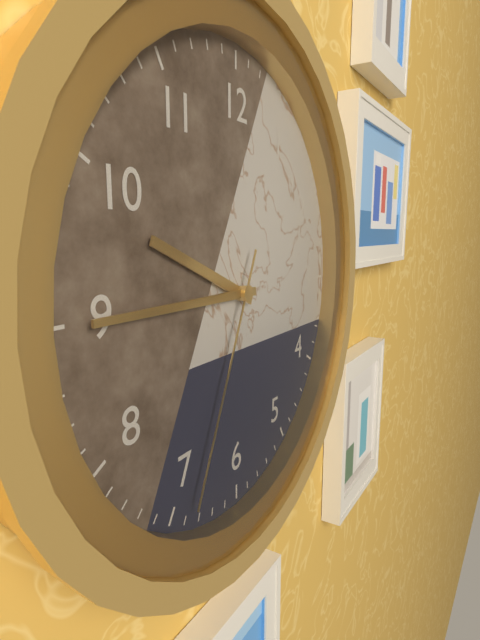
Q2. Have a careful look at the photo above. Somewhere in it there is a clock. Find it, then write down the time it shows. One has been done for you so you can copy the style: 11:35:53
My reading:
9:45:34
